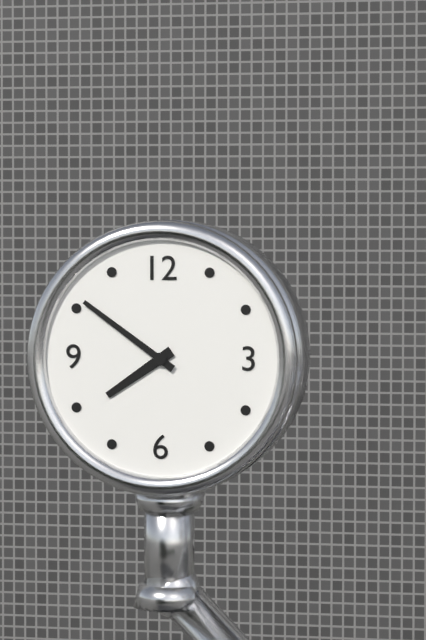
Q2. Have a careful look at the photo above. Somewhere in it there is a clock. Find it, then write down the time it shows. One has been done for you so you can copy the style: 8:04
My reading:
7:51
